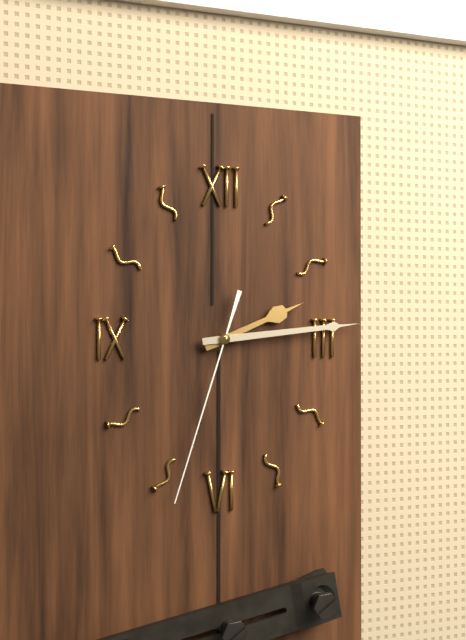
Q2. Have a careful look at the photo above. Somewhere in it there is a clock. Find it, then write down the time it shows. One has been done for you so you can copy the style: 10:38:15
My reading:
2:14:33
